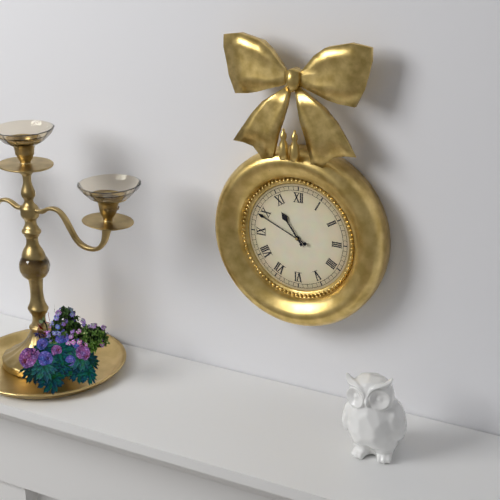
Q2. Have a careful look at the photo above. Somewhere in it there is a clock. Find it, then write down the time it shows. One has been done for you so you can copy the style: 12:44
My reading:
10:49
